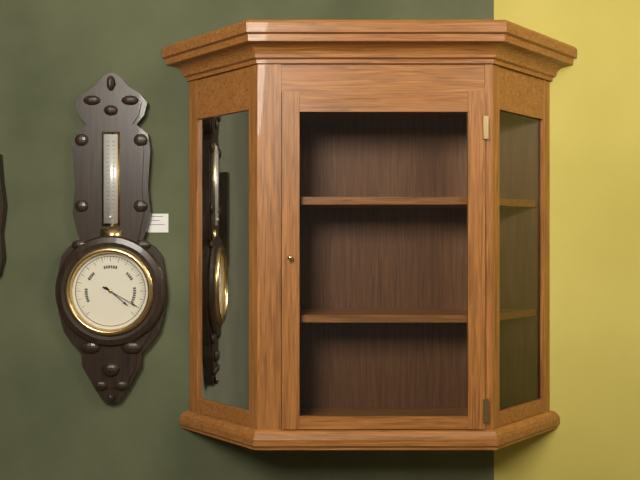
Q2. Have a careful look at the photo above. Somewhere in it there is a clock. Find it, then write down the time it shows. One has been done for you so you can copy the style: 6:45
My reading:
4:20
